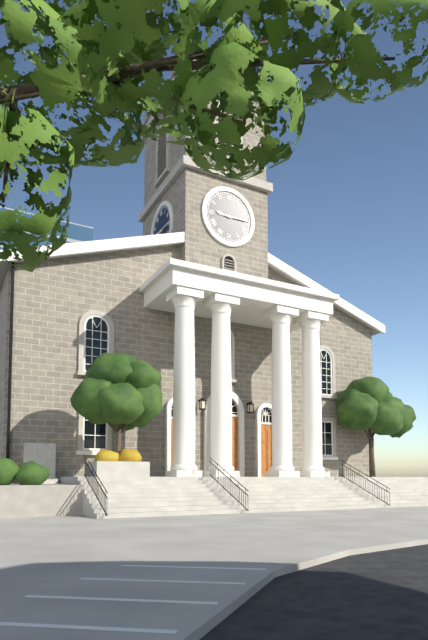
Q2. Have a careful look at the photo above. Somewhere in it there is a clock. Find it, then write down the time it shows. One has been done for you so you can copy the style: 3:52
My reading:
9:15
